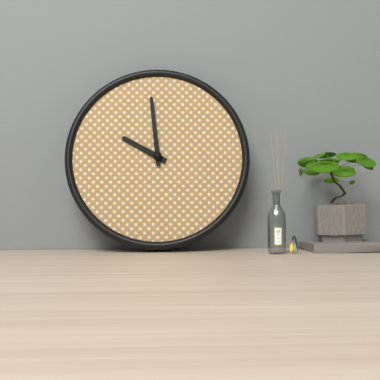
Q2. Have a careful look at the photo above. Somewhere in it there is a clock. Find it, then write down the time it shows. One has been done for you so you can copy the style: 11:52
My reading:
9:59
